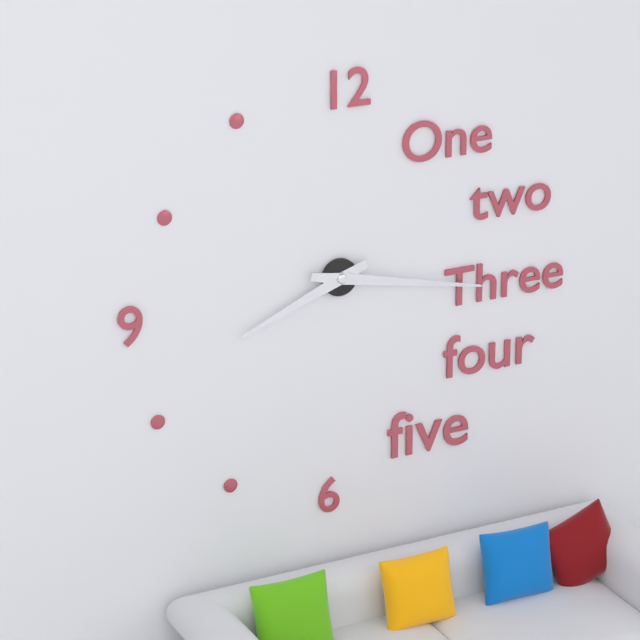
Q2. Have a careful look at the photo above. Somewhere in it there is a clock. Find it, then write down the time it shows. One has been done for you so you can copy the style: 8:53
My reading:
8:17
